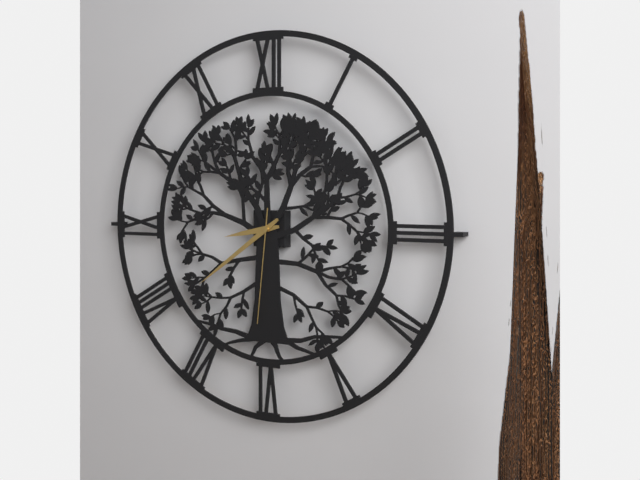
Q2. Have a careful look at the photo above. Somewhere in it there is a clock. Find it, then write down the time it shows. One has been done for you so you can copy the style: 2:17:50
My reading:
8:39:31
